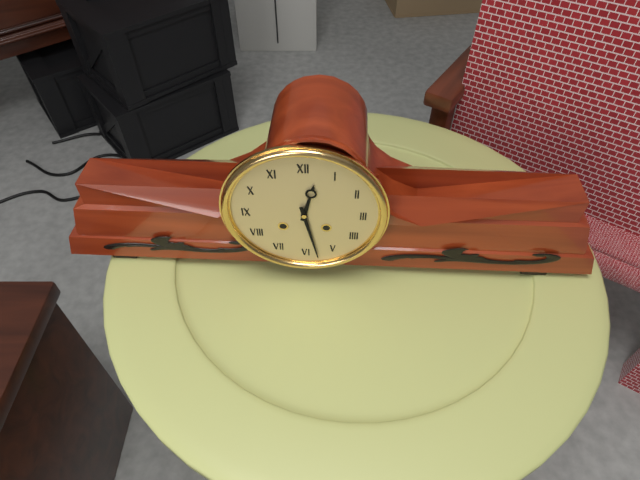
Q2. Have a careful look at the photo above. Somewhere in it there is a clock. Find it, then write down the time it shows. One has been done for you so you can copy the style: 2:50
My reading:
12:28
